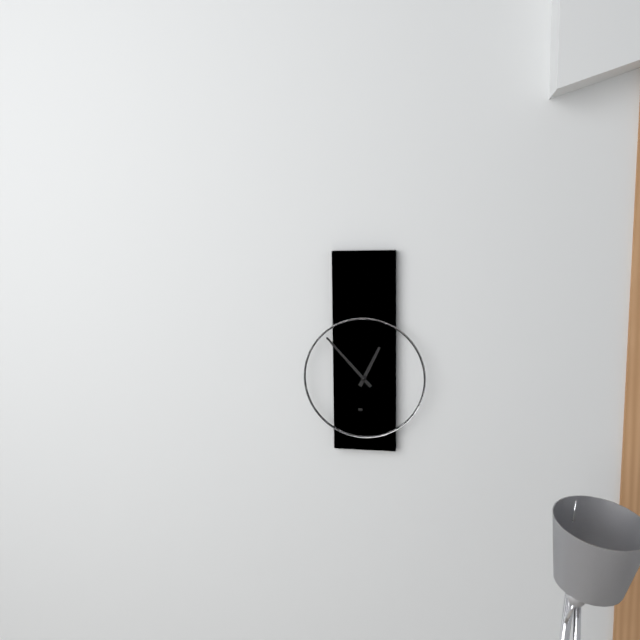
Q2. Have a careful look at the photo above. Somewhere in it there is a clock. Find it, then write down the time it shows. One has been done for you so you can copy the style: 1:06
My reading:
12:53
